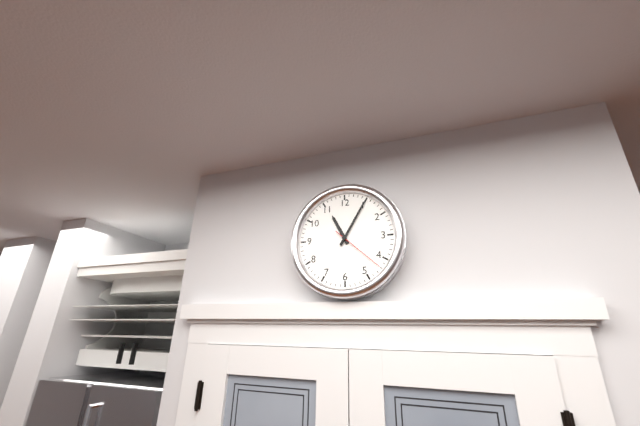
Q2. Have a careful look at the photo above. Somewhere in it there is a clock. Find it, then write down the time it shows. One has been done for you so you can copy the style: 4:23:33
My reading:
11:05:22
